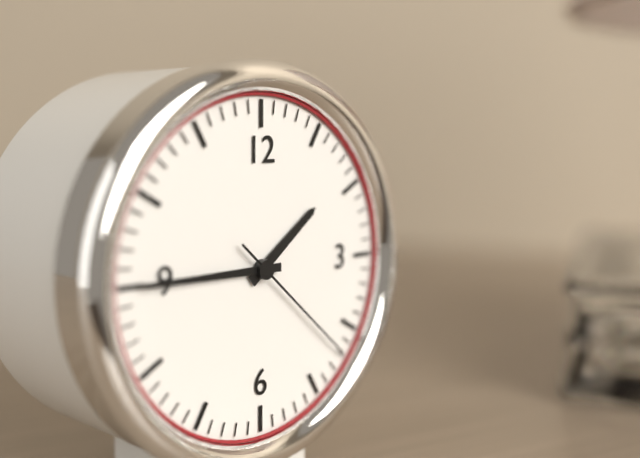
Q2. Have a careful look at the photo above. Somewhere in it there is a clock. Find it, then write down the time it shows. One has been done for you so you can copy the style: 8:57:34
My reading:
1:45:22
